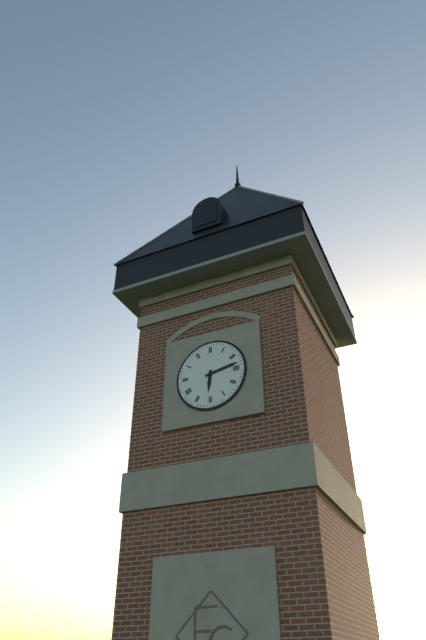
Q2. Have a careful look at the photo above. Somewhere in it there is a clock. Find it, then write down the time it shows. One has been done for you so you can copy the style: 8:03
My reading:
6:13
